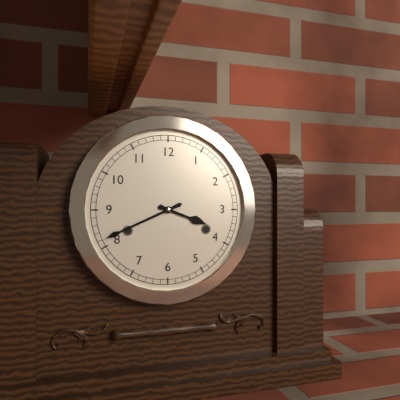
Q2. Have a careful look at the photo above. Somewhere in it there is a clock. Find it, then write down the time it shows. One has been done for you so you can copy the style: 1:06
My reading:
3:41
